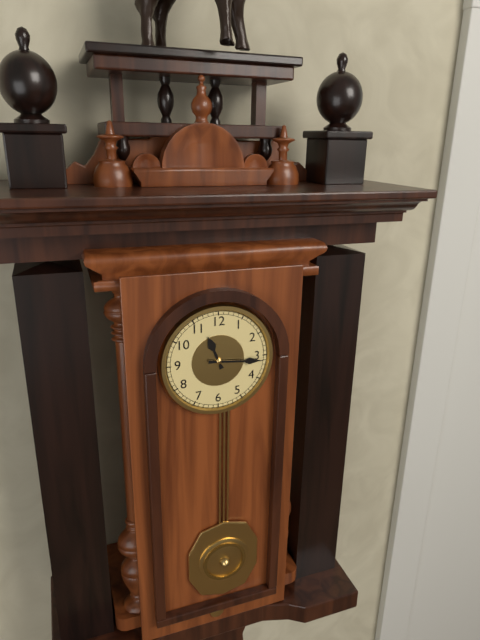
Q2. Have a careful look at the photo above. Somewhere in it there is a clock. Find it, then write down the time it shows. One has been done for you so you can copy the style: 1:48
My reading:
11:16
